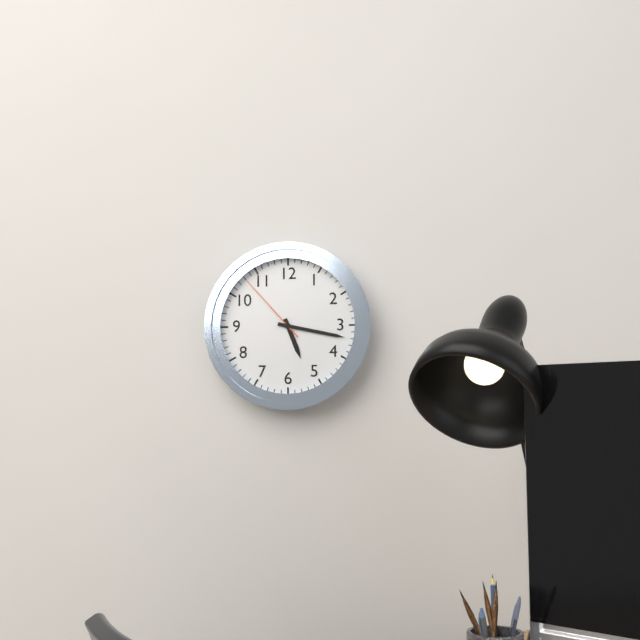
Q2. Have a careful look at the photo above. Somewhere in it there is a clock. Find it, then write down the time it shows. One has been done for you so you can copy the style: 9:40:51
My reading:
5:17:53
